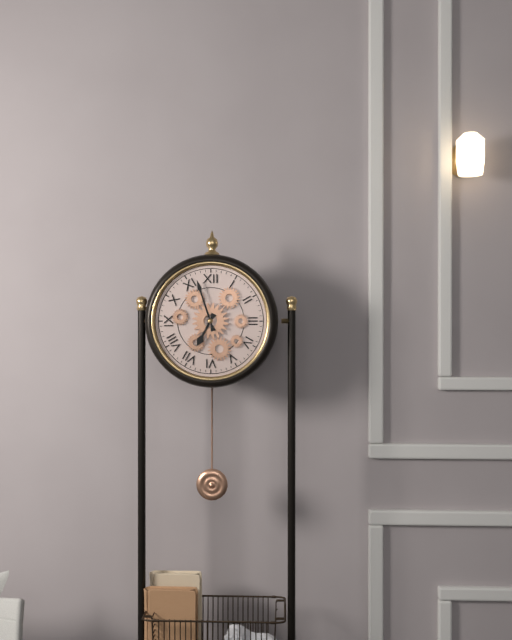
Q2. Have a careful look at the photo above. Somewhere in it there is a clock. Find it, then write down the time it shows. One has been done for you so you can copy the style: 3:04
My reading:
6:57
